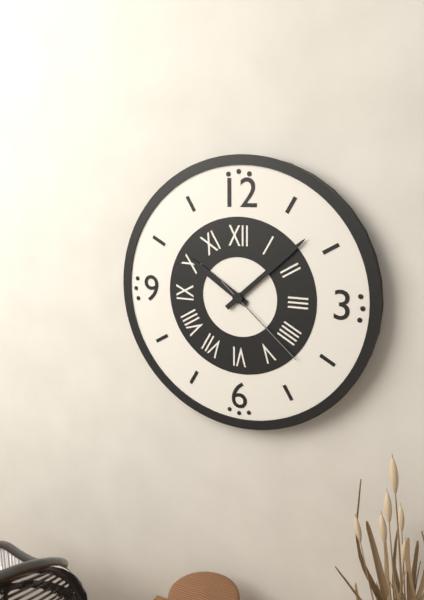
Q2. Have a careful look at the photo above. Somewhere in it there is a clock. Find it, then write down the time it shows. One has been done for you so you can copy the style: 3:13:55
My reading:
10:08:22
